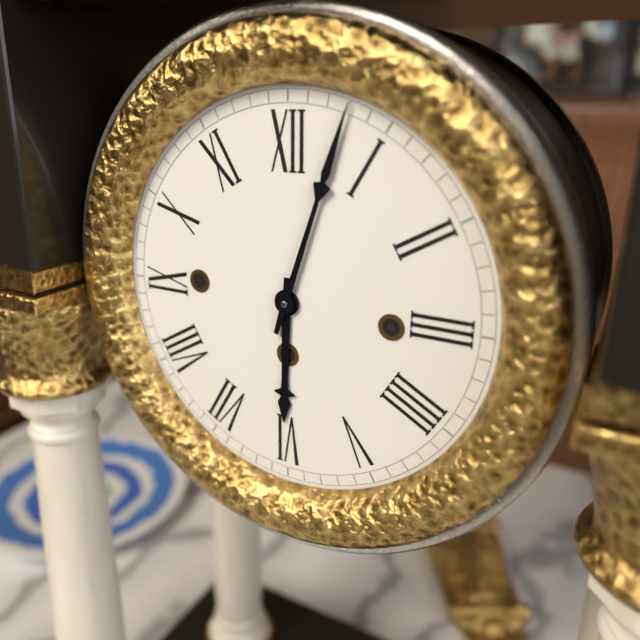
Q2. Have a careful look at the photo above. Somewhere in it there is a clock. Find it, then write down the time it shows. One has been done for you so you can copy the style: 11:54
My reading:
6:03
